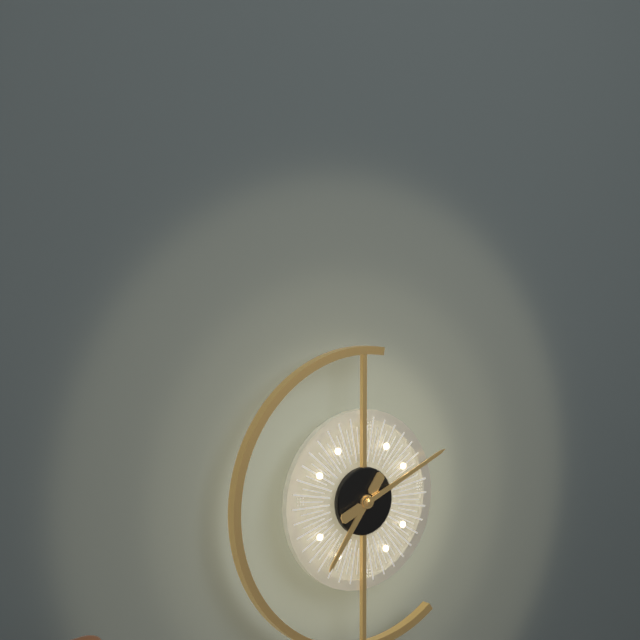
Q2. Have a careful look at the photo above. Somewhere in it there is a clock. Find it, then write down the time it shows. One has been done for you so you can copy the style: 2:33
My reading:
7:11
